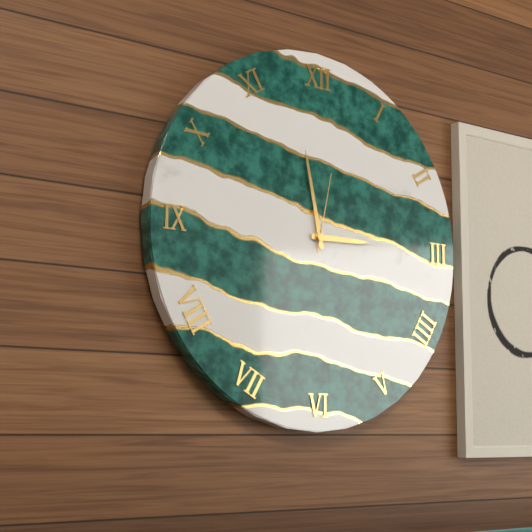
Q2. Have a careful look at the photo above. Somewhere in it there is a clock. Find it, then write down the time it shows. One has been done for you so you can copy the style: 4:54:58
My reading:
2:58:02
